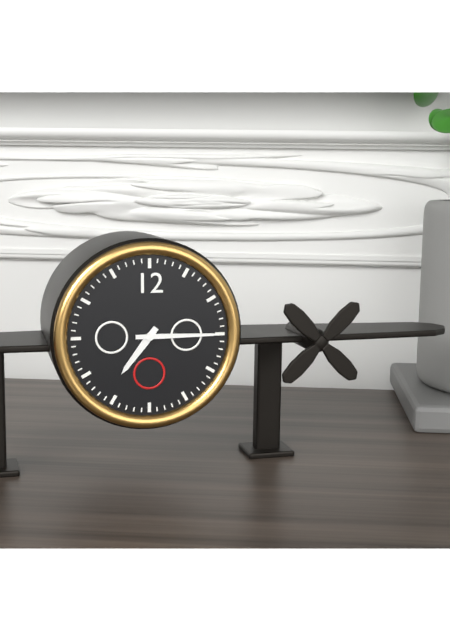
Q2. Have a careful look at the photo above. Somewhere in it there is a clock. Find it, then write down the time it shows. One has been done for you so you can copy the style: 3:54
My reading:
7:15
